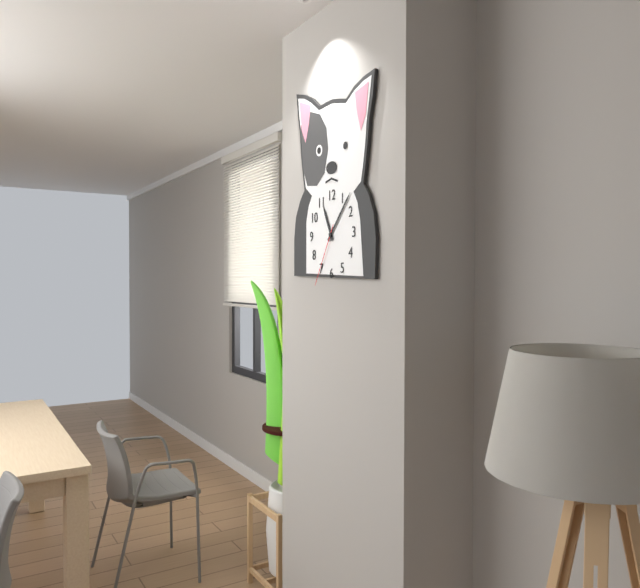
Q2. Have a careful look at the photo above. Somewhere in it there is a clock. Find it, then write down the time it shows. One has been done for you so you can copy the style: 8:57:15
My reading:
11:07:35
